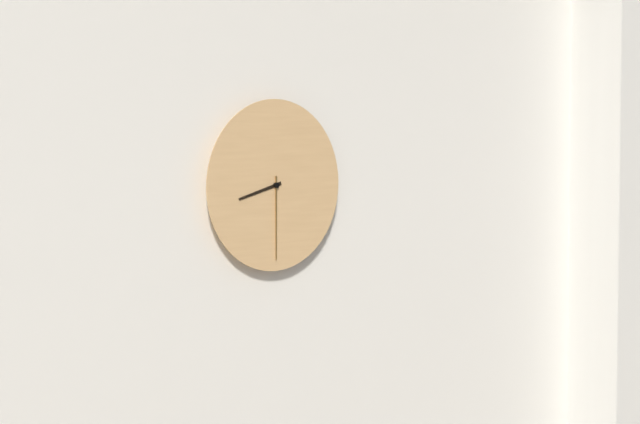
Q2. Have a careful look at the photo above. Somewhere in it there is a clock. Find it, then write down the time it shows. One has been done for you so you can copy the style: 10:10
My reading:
8:30
